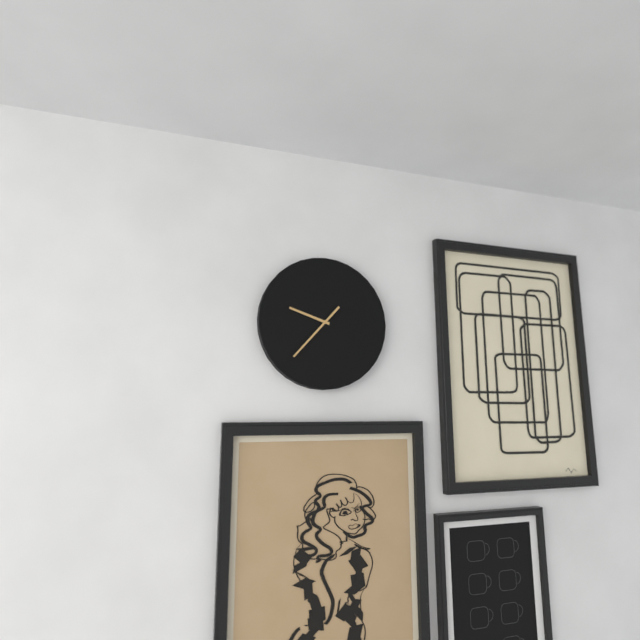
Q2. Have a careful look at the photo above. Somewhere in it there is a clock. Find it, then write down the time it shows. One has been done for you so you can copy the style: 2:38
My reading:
9:37
